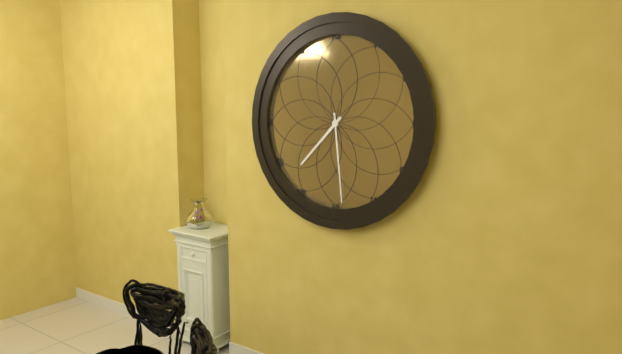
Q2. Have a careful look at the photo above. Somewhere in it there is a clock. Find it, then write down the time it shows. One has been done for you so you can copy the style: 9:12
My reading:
7:29
